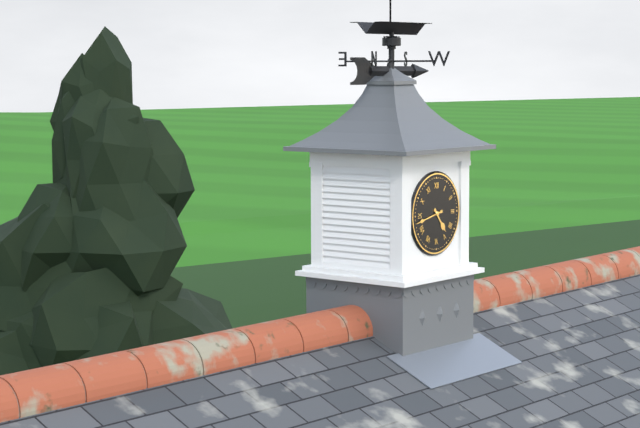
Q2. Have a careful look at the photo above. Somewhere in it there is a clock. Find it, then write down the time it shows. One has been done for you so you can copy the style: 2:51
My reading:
4:43
